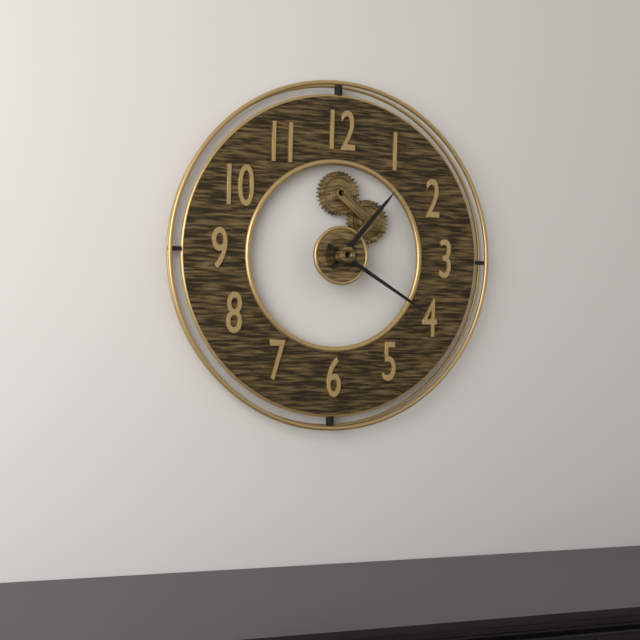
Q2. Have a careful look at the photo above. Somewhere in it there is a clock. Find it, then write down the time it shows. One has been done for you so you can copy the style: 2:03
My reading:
1:20
